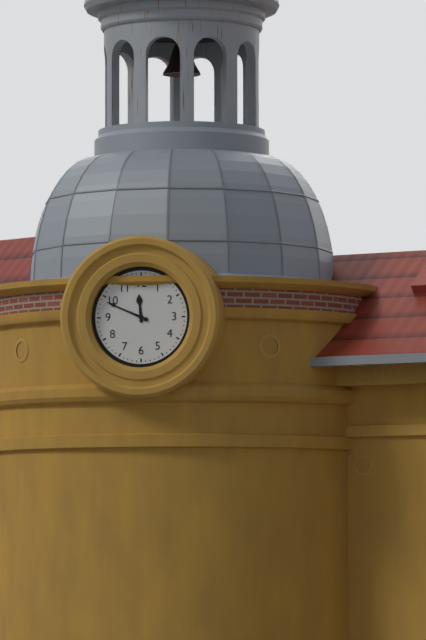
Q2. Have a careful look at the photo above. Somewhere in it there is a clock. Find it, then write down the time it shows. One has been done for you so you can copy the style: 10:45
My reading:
11:49
